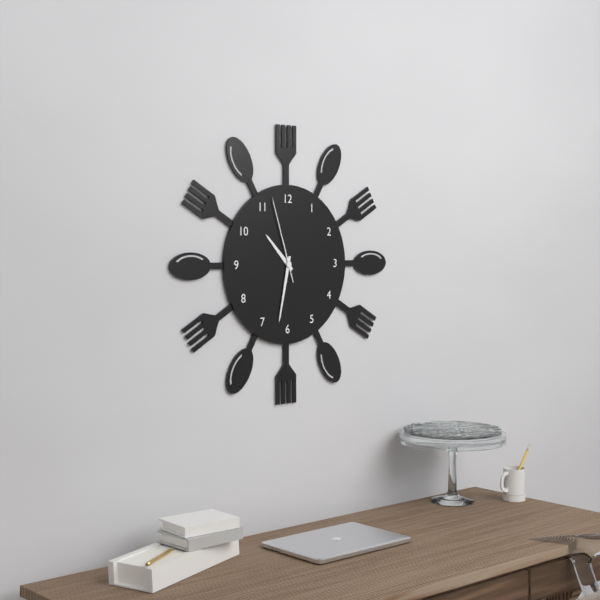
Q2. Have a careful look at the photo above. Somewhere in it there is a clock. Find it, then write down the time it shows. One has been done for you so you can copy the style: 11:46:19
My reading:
10:32:57
